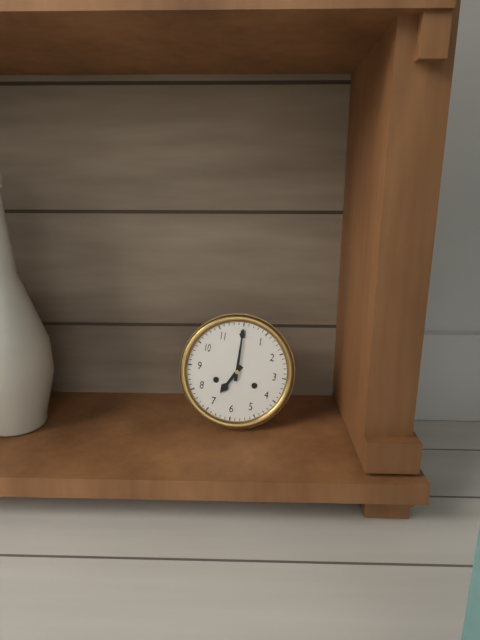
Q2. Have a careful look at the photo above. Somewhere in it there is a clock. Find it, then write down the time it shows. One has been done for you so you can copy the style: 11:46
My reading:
7:00
